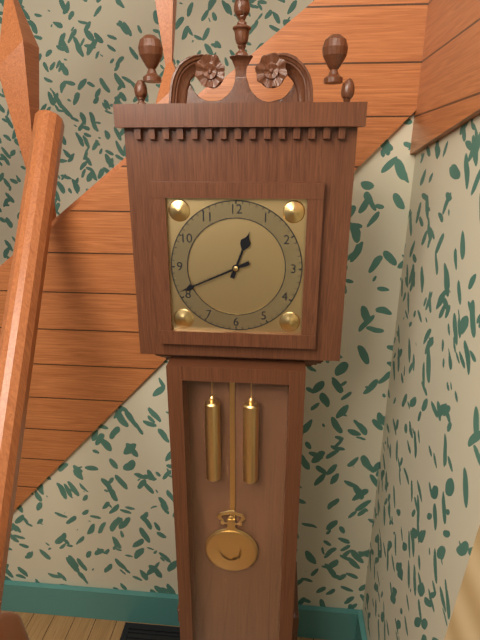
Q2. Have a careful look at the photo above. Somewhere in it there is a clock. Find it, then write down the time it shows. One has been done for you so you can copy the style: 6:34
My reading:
12:41
